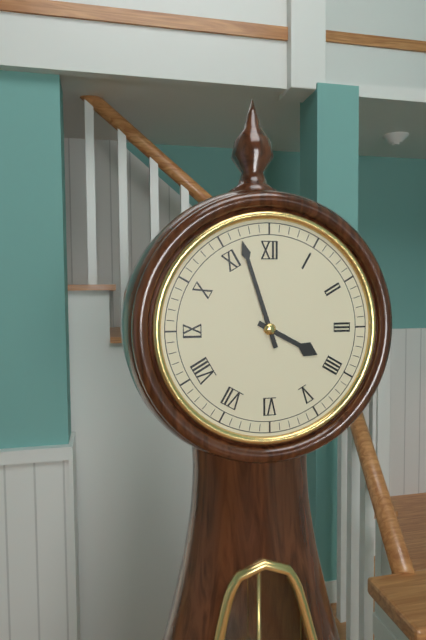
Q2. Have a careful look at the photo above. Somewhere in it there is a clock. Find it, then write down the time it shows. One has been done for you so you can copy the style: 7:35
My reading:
3:57
